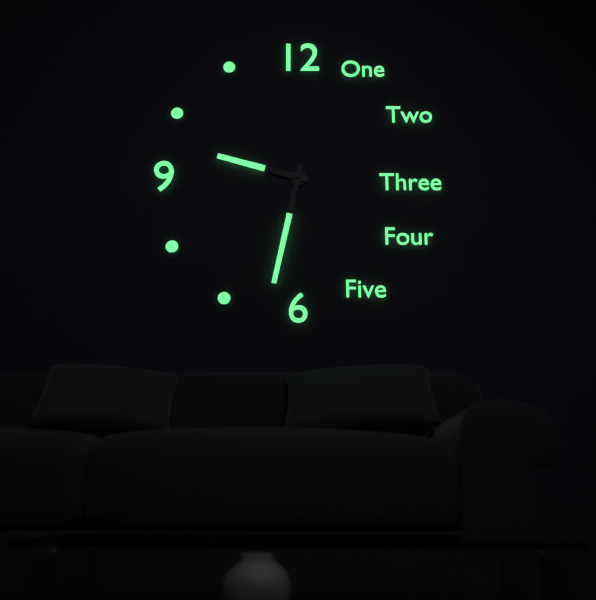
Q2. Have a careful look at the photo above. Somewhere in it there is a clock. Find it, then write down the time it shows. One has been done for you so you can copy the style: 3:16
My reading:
9:32
